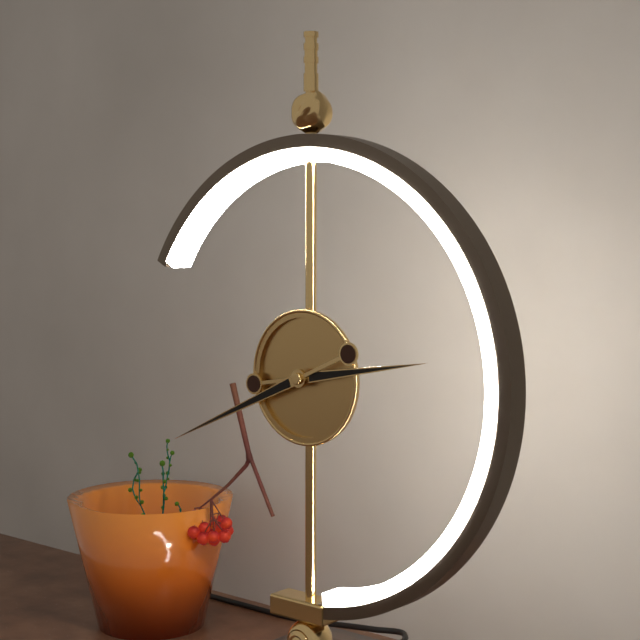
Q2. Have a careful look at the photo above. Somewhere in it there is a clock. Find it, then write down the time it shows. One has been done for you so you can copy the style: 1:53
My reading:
2:41
